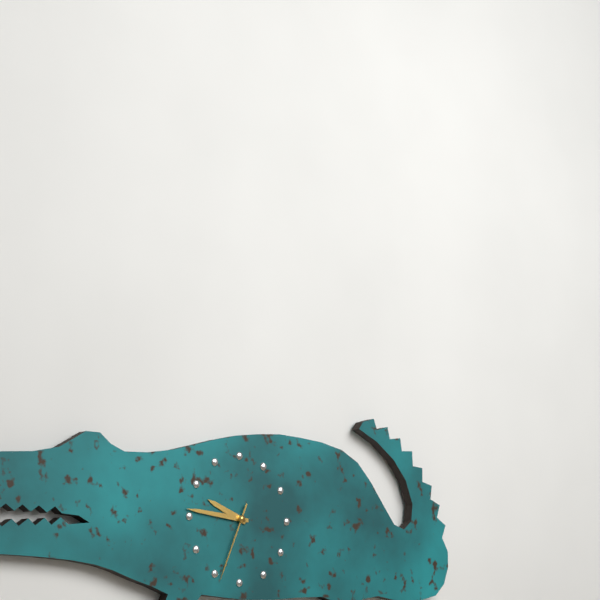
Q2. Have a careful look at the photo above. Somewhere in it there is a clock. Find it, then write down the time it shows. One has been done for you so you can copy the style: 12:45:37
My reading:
9:46:34
